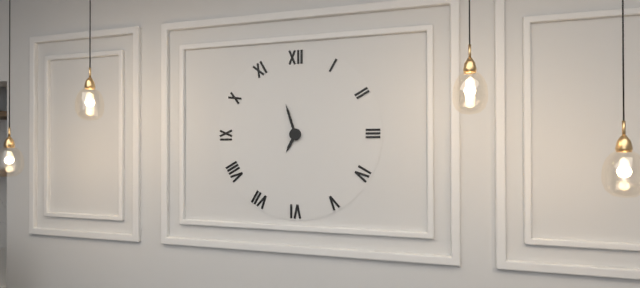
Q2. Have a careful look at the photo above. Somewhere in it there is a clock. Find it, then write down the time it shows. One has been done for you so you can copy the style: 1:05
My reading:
6:57
